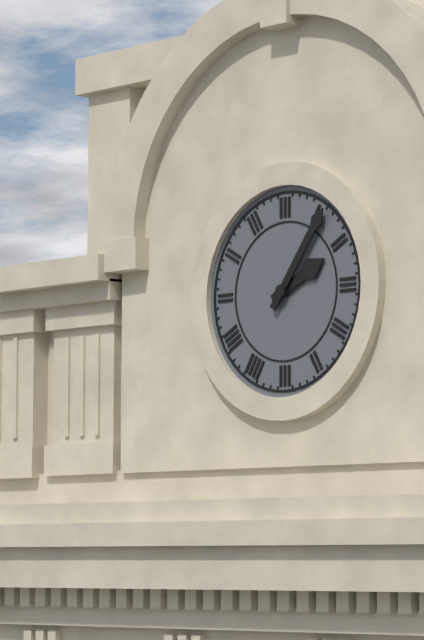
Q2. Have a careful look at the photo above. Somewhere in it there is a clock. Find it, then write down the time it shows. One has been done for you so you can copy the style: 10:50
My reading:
2:06
